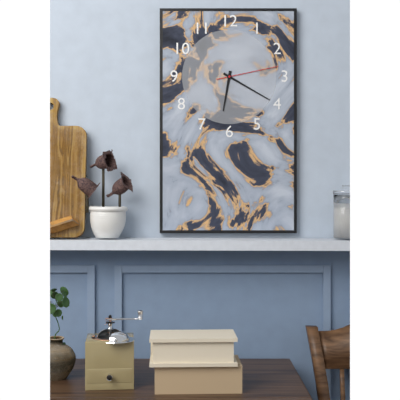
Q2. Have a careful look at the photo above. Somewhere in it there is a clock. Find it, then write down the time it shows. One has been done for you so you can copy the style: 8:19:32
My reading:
6:20:13
